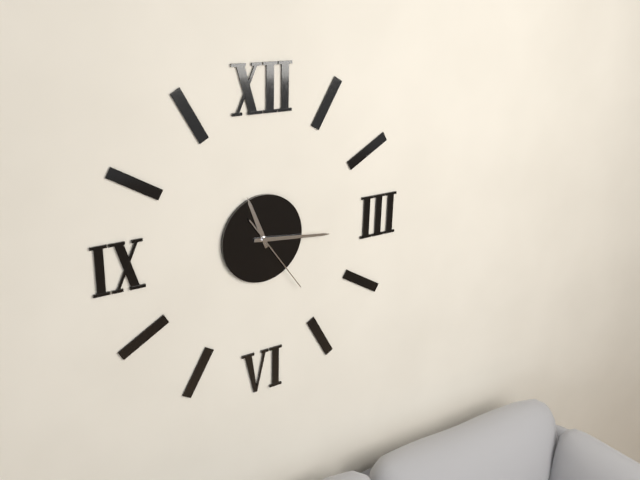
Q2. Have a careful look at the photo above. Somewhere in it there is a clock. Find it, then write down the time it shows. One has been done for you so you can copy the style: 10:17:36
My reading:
11:16:24
